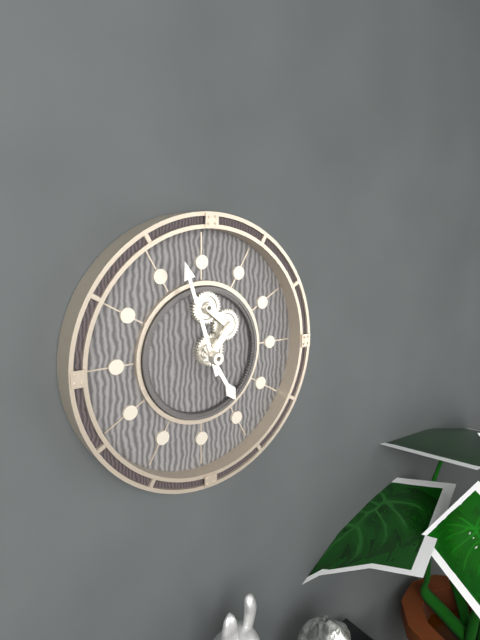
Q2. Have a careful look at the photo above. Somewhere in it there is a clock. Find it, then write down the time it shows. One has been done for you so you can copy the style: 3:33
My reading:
4:57
